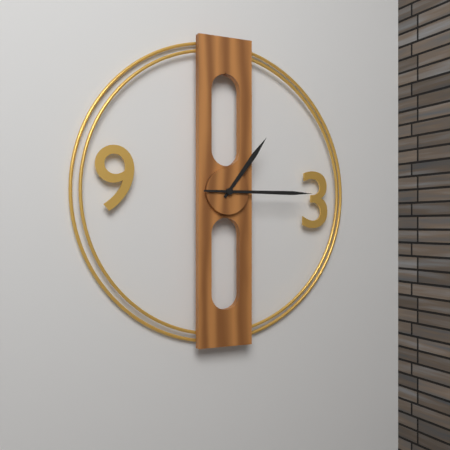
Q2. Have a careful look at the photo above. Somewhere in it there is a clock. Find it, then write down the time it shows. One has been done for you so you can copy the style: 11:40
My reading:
1:15
